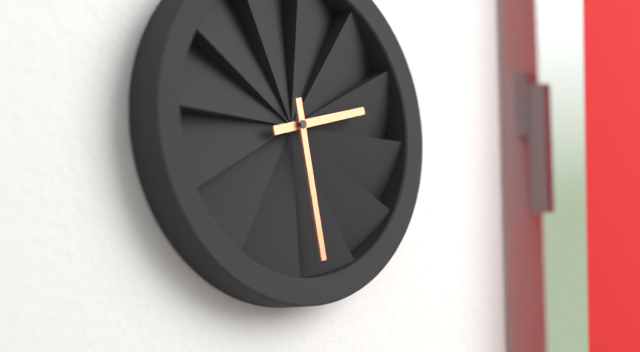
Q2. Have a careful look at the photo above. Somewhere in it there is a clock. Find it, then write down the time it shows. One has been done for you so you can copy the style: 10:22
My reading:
2:28
